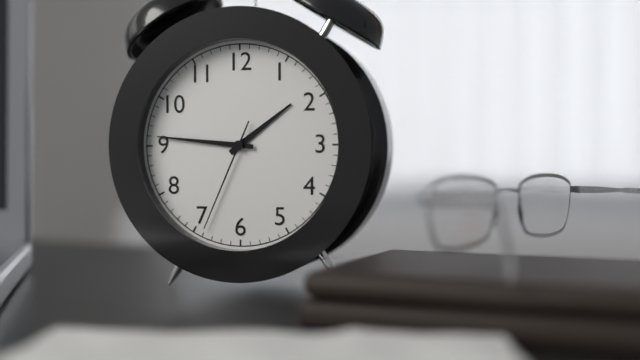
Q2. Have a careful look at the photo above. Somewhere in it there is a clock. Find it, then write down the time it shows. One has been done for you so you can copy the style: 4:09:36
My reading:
1:46:34
